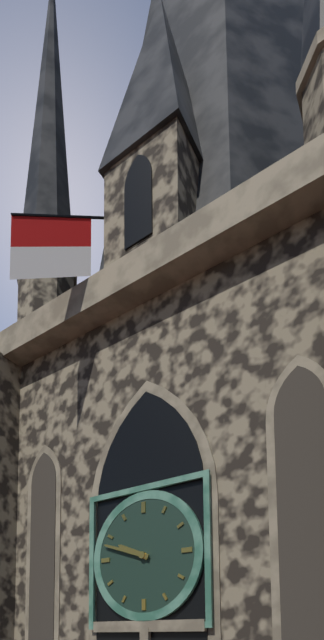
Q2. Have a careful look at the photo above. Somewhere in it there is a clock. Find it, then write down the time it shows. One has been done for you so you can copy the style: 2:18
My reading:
9:48
